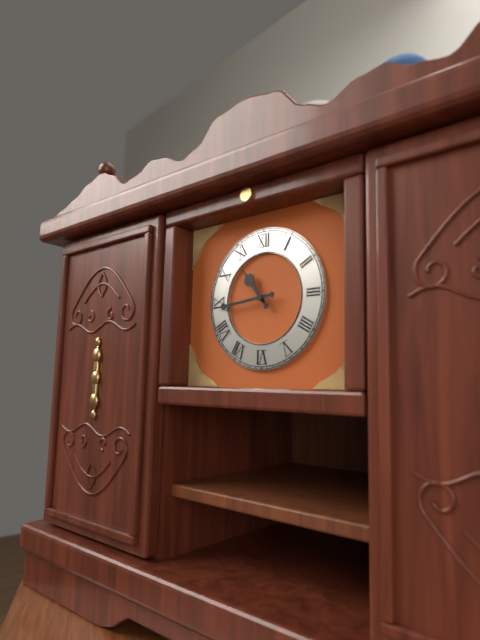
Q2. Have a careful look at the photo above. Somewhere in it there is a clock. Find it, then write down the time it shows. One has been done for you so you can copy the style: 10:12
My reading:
10:44
